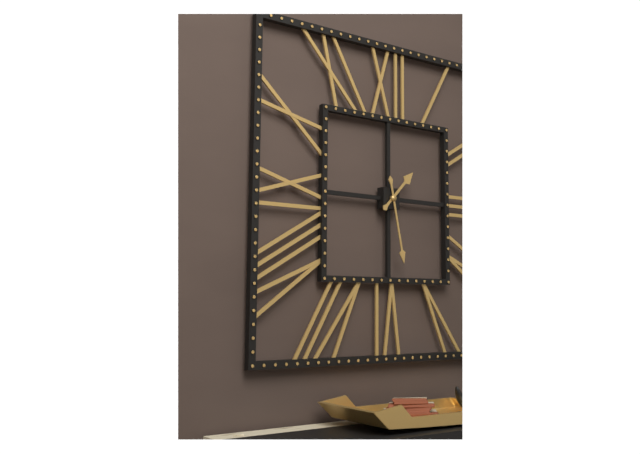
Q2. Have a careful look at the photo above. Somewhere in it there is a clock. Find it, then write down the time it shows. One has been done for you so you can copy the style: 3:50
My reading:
1:28
